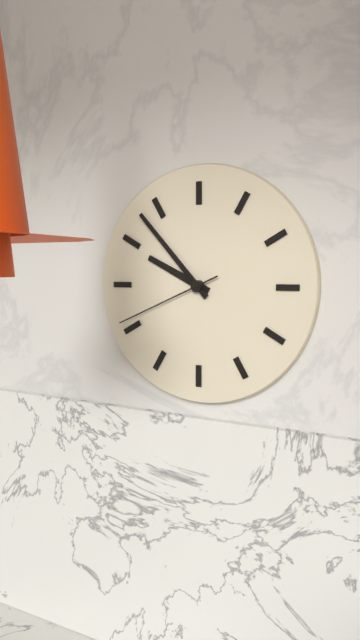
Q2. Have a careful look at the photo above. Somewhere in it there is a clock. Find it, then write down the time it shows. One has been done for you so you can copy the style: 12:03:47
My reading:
9:53:41
